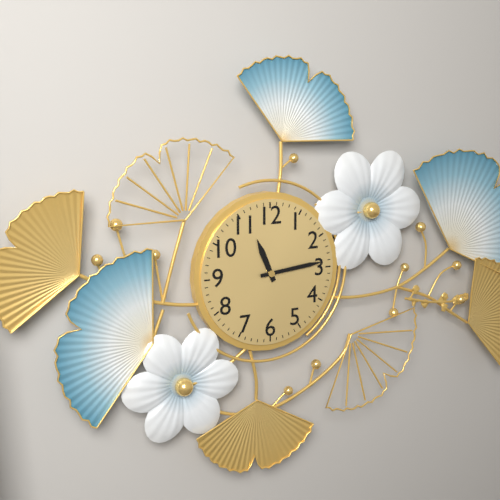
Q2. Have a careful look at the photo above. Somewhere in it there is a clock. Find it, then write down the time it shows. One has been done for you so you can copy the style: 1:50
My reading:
11:14
